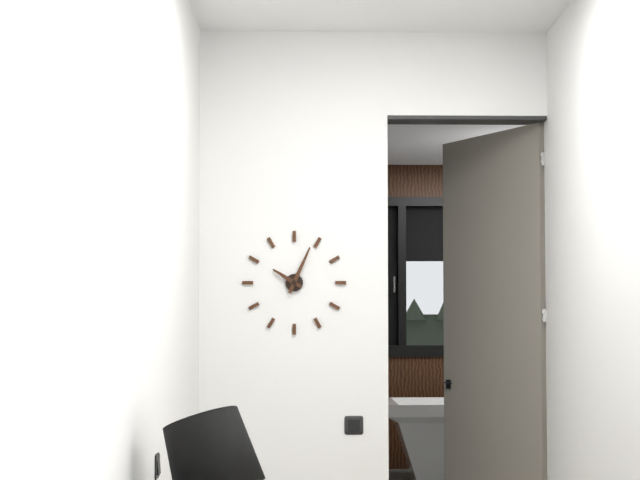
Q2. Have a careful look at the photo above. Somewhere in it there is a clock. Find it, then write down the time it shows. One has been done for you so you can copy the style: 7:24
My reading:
10:04
